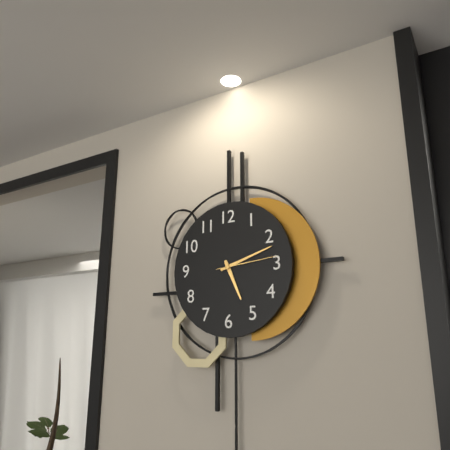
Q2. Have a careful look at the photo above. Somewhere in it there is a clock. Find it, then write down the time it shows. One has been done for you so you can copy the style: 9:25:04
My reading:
5:12:14
